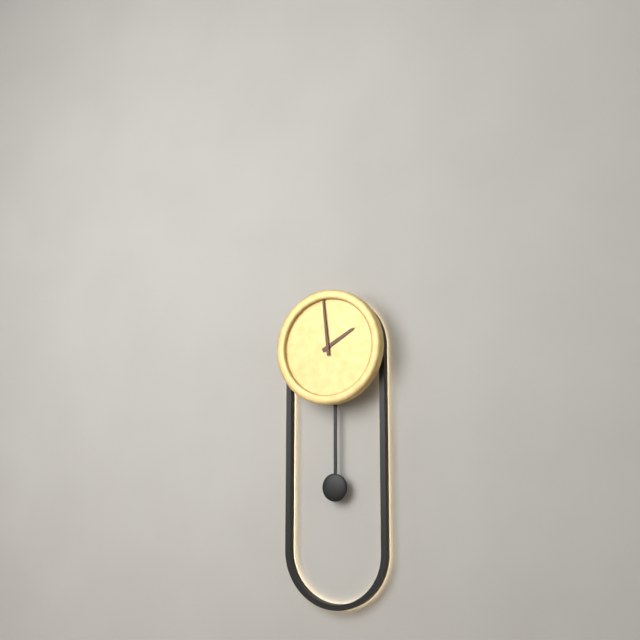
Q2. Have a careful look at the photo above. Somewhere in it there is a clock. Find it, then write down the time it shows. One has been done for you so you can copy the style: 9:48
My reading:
1:59
